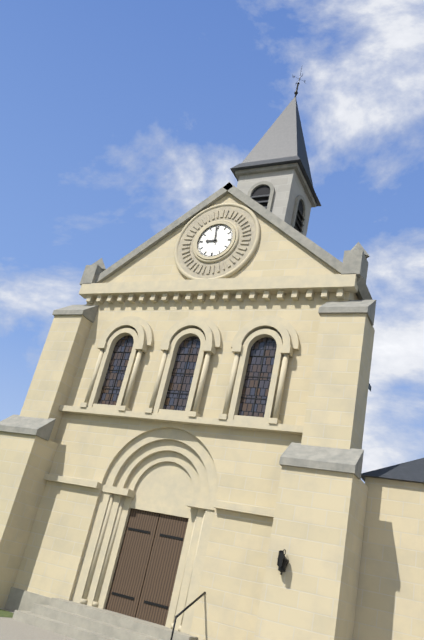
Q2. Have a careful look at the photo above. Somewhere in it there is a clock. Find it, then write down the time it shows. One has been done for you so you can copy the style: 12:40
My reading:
8:59
